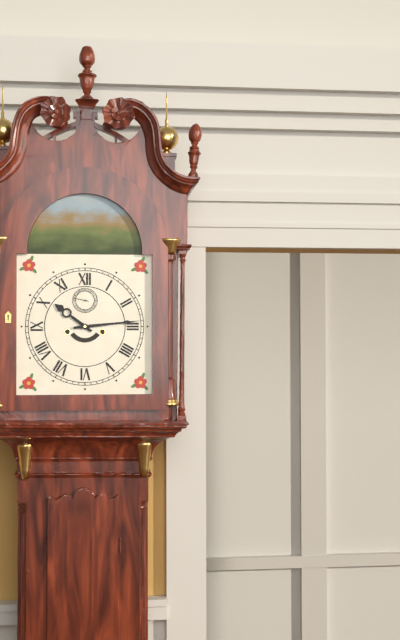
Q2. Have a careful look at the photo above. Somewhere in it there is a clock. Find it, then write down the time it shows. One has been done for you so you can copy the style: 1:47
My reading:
10:14
